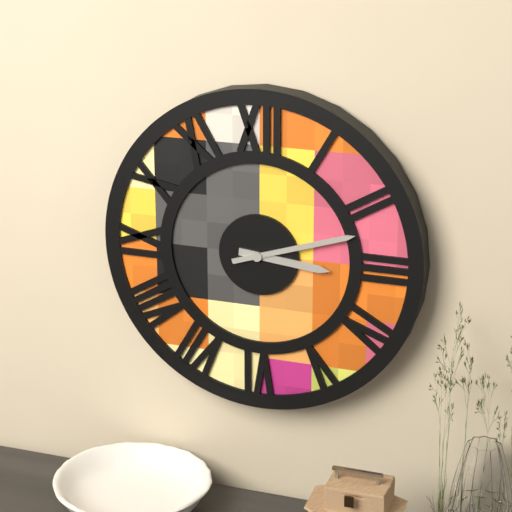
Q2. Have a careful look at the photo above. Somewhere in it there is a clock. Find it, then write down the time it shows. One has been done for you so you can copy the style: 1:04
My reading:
3:12
